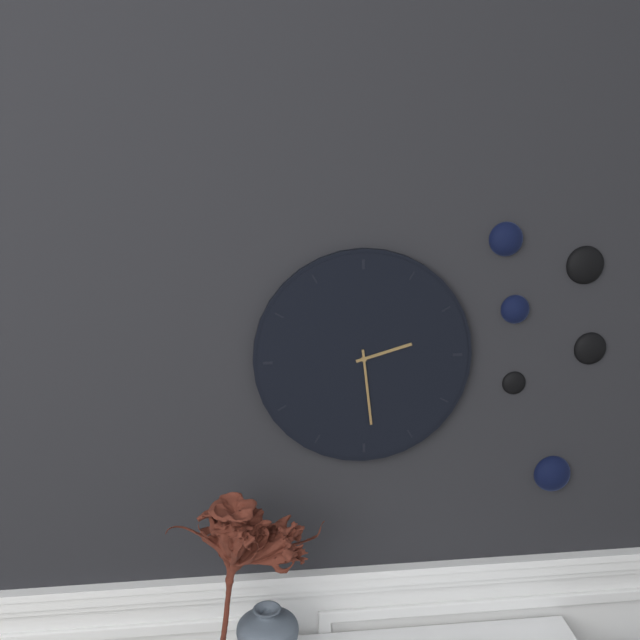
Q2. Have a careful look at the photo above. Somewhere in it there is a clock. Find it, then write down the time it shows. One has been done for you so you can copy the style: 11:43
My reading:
2:29
